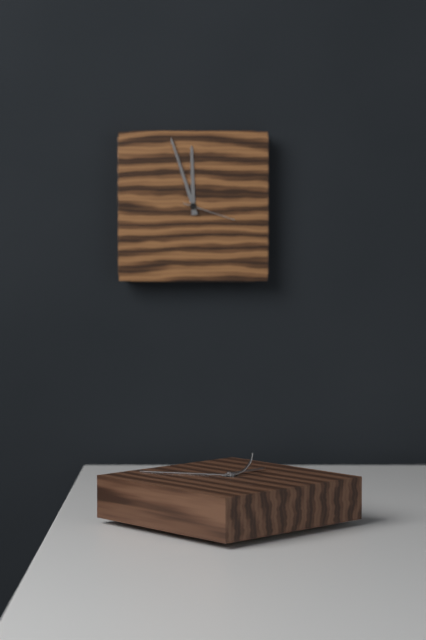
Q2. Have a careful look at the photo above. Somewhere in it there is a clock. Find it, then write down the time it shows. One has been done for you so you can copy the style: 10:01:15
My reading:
11:57:18
